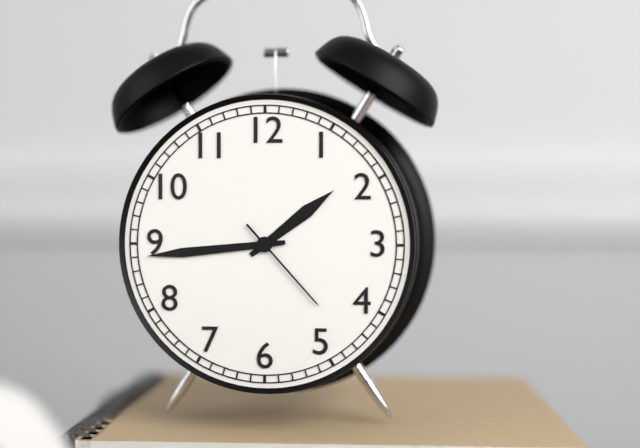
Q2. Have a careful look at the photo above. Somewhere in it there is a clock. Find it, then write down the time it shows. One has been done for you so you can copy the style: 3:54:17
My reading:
1:44:23
